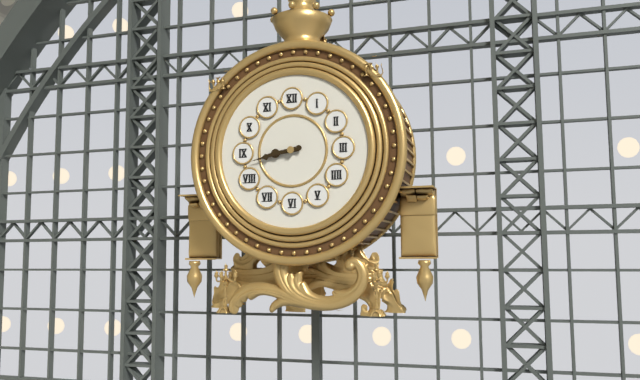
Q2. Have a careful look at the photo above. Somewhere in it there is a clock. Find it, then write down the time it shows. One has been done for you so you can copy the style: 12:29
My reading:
8:43
